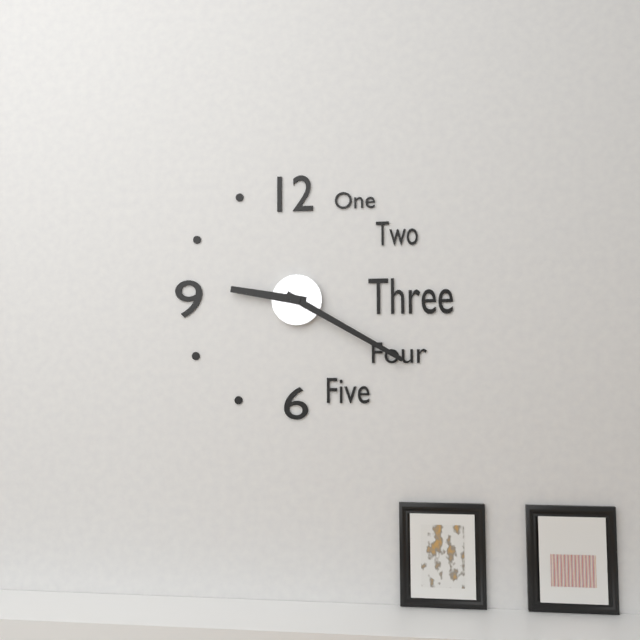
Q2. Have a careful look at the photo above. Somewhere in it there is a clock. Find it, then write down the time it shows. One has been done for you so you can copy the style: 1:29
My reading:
9:20
